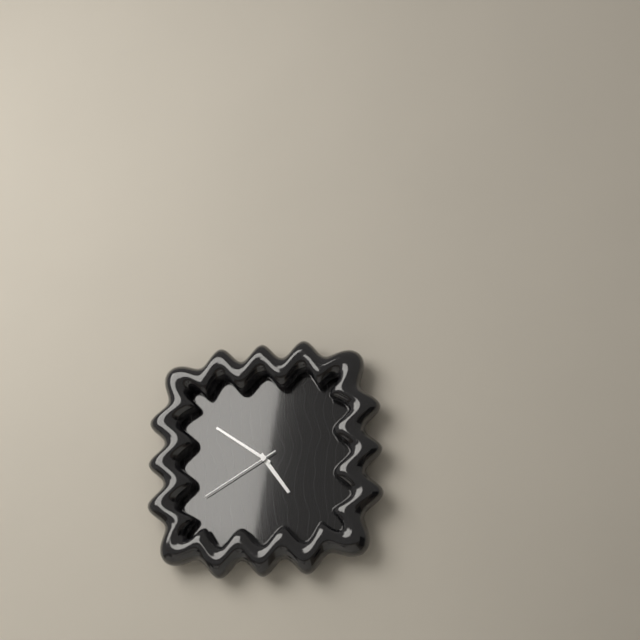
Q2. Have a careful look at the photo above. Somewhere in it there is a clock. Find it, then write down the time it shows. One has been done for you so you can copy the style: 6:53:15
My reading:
4:51:40
